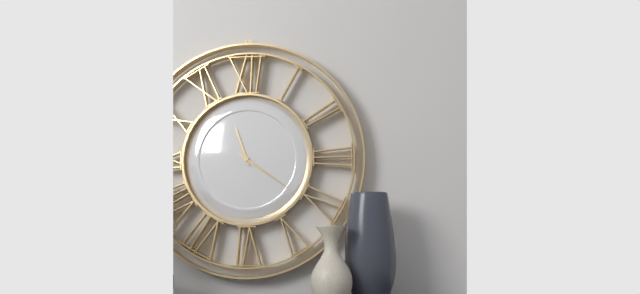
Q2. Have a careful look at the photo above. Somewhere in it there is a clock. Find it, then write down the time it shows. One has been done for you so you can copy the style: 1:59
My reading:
11:21
